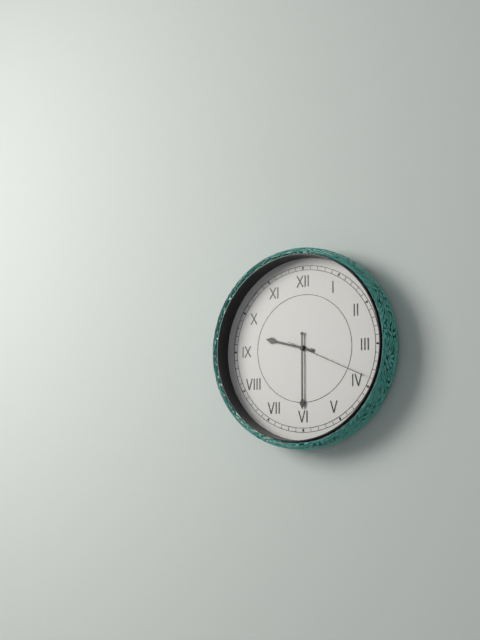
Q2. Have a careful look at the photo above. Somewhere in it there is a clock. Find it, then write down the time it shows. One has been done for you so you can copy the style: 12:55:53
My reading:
9:30:19
